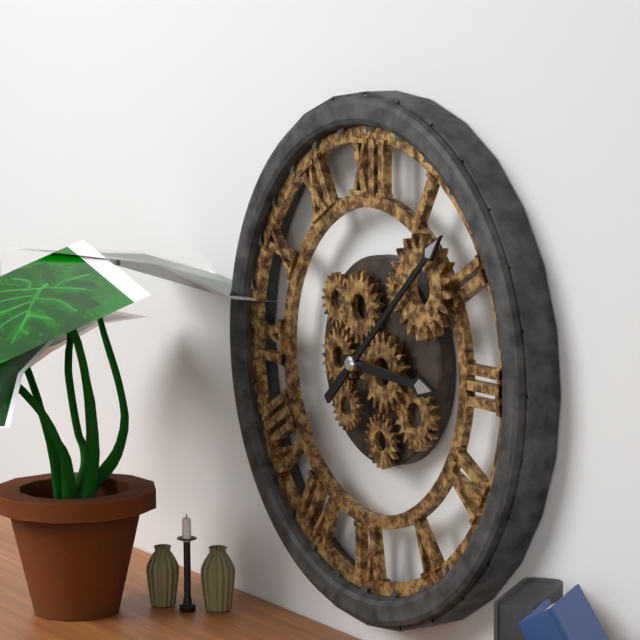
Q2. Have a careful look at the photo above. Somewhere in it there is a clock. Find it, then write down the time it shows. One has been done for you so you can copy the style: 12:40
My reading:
3:08
